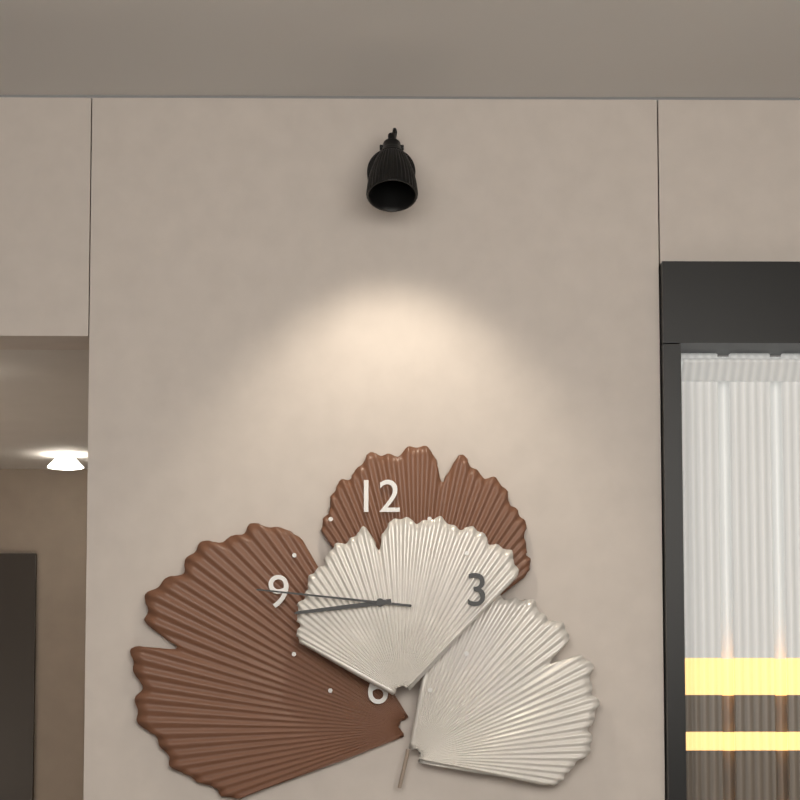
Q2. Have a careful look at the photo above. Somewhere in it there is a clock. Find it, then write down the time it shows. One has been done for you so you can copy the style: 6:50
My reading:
8:46
